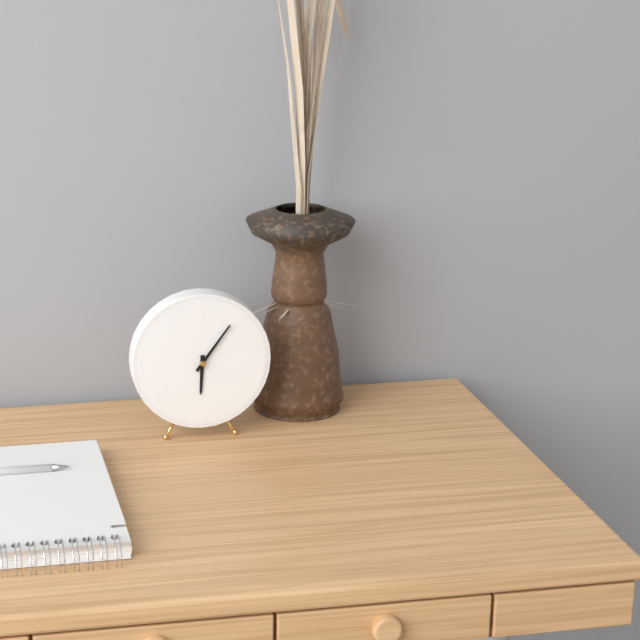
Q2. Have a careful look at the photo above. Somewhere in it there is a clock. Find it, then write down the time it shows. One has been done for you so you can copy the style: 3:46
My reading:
6:06
